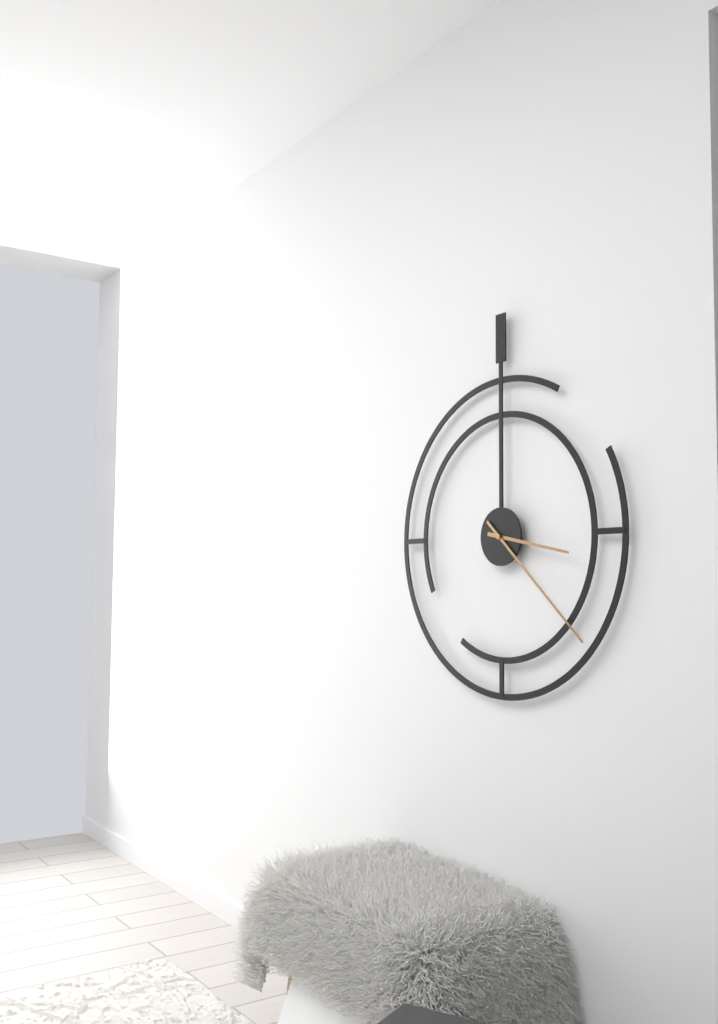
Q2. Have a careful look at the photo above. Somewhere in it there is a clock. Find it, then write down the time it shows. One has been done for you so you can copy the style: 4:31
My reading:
3:22
